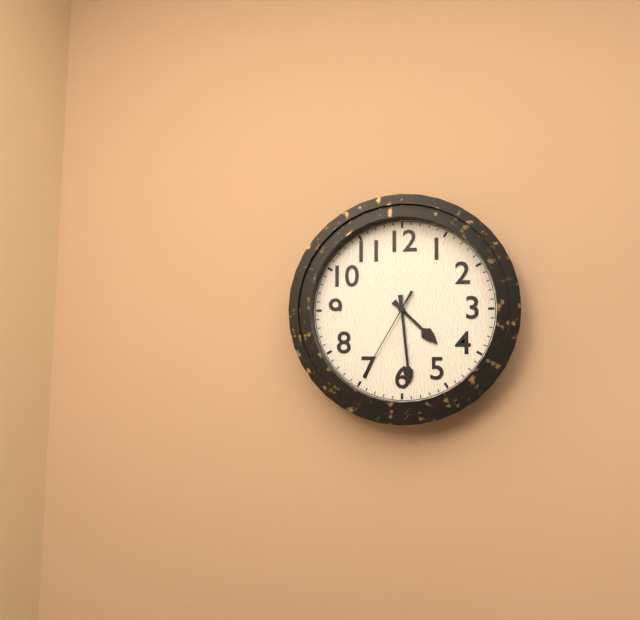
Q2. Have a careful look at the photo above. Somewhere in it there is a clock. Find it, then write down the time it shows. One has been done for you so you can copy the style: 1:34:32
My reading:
4:29:35
